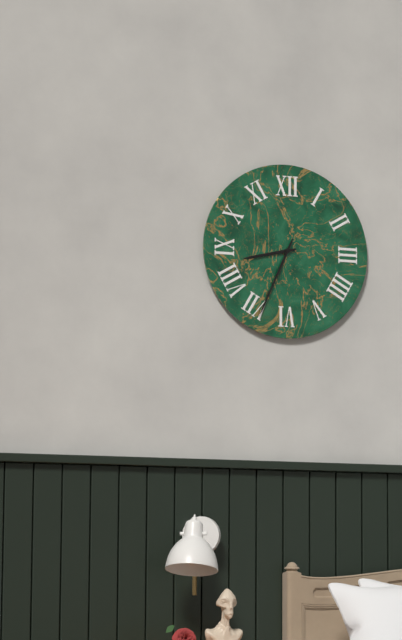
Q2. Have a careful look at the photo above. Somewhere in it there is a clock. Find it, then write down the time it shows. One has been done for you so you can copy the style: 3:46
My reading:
8:34
